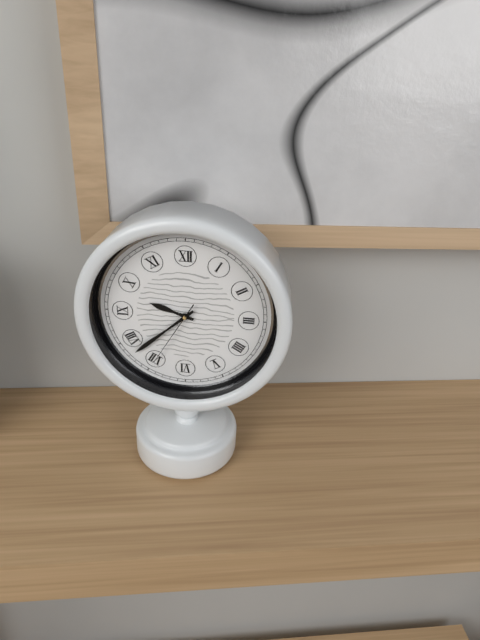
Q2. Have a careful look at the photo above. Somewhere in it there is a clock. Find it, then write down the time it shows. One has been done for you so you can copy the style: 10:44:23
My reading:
9:38:35
